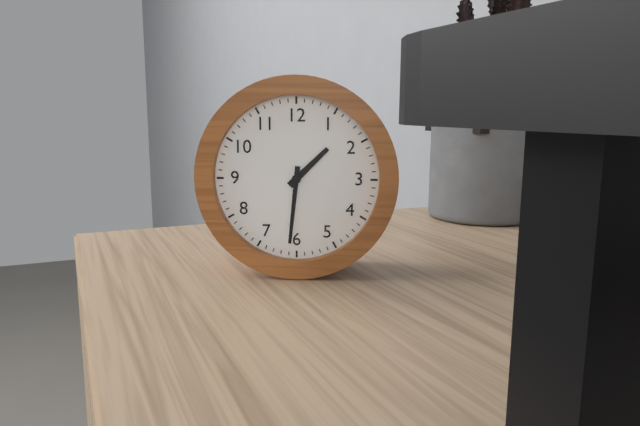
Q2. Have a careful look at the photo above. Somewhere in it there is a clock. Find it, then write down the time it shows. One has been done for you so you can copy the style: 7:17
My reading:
1:31
